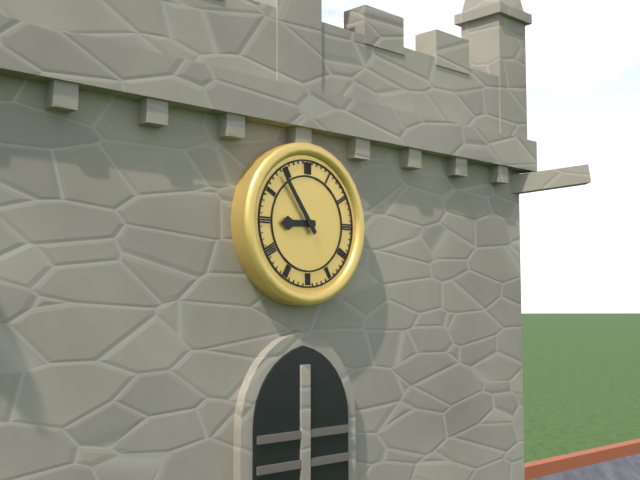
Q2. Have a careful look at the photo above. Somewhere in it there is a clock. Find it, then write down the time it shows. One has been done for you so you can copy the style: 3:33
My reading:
8:54
